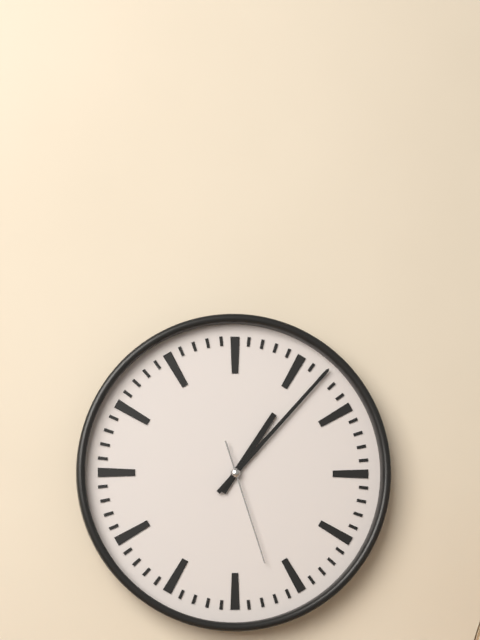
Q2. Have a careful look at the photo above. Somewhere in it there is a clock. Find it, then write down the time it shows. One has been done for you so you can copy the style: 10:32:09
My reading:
1:07:27
